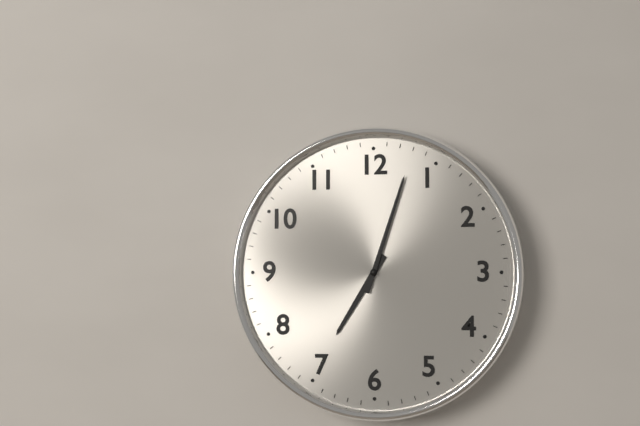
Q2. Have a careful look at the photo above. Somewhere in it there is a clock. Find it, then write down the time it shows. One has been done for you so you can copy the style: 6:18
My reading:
7:03
